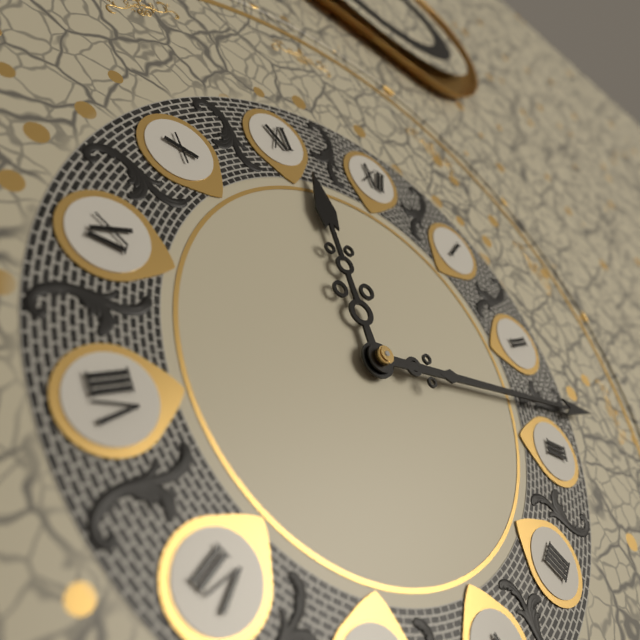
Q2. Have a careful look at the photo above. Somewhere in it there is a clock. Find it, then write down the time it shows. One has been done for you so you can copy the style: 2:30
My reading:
11:13
